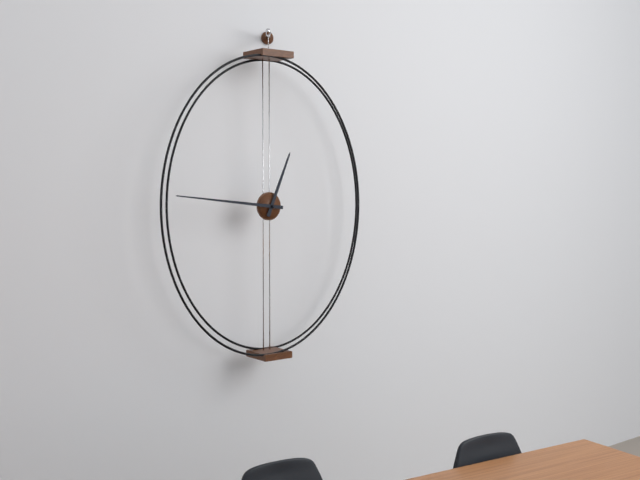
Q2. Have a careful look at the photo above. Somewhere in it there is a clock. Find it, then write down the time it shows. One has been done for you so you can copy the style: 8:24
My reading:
12:46
